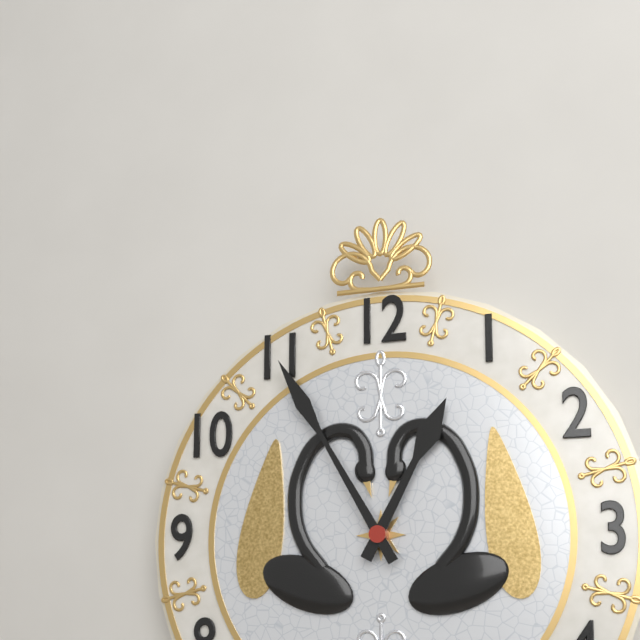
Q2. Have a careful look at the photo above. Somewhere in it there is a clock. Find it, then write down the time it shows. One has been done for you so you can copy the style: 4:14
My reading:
12:55
